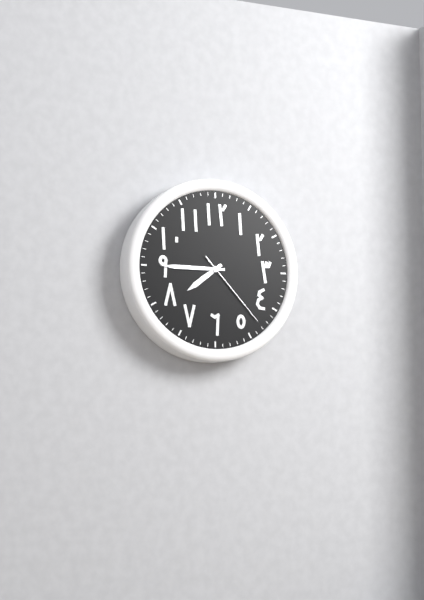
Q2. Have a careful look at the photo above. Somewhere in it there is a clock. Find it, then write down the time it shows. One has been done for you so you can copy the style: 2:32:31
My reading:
7:45:23
